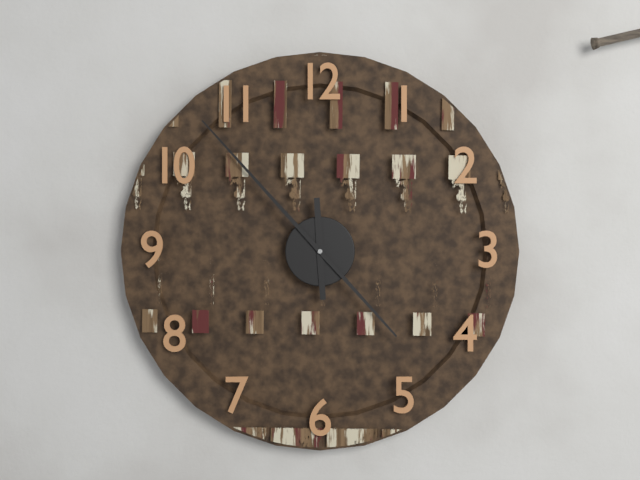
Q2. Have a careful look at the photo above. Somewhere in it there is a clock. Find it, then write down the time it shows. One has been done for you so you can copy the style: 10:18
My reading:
11:53
